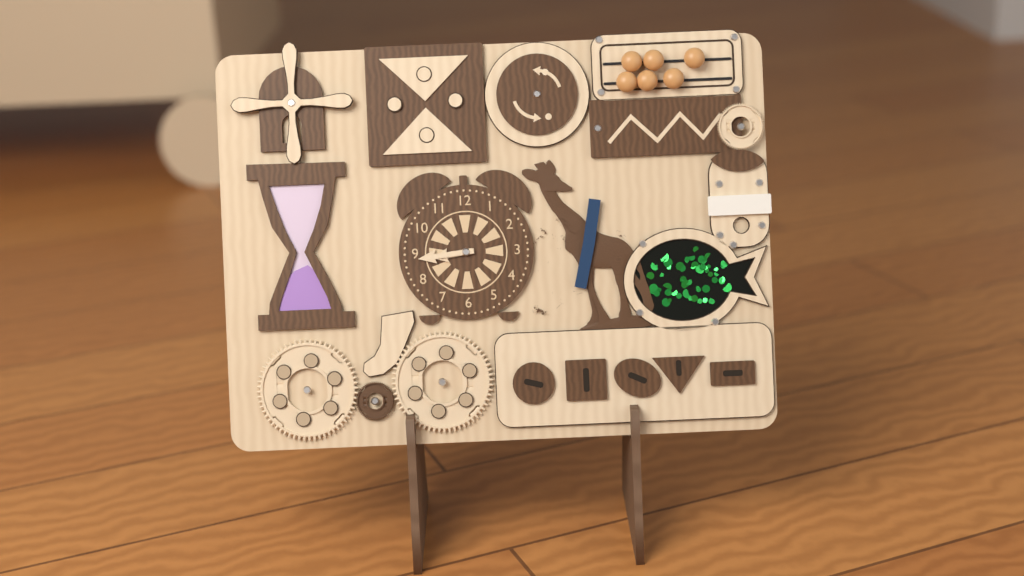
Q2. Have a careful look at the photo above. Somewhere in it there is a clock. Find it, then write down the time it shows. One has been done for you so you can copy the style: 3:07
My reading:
8:44
